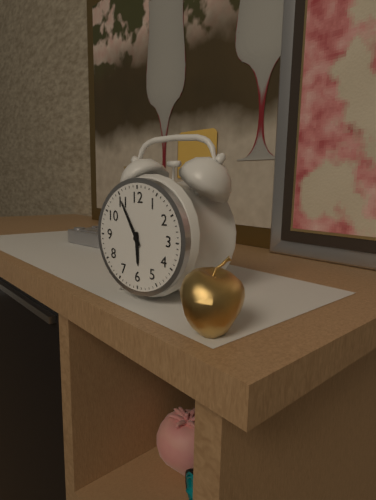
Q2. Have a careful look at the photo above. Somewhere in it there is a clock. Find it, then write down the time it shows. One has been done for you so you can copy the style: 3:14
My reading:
5:55
